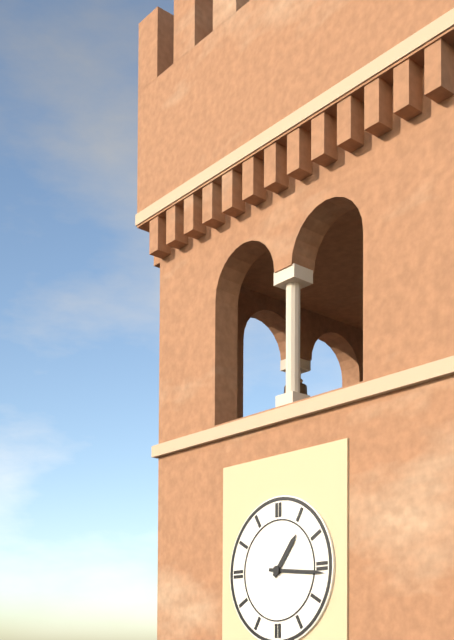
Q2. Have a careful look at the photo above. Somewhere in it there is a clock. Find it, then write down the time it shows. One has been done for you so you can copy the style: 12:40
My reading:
1:16
